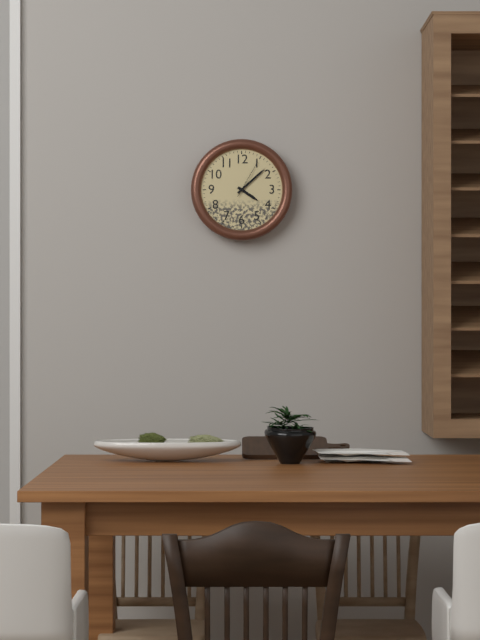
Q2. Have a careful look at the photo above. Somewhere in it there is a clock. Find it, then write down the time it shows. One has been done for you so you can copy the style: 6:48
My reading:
4:08
